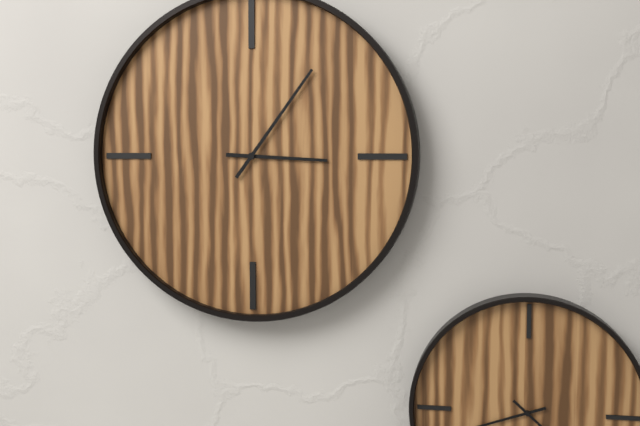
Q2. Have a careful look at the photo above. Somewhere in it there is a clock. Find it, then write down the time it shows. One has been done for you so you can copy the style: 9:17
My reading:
3:06
